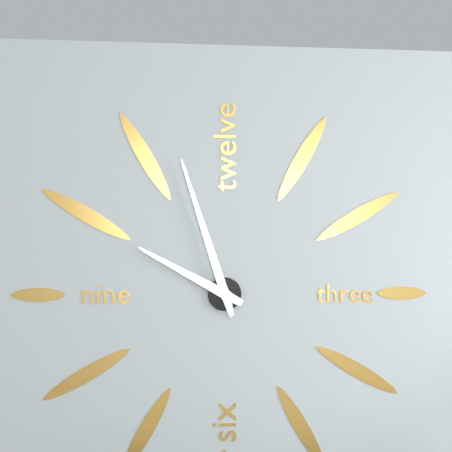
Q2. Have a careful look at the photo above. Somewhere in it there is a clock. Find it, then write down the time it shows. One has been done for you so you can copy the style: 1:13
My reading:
9:57
